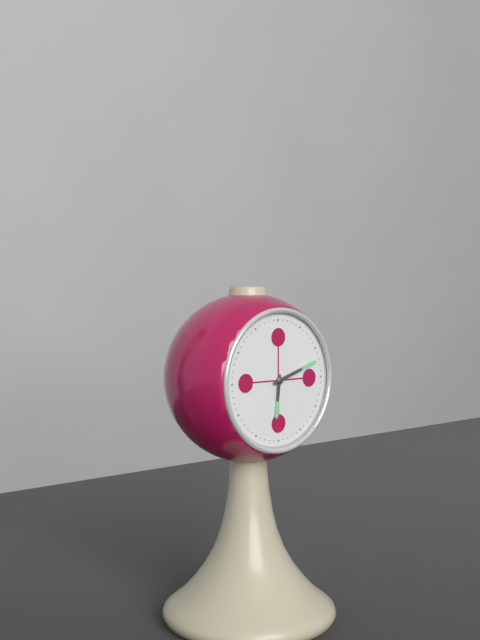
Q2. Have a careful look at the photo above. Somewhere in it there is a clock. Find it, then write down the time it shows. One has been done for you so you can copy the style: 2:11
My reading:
6:12
